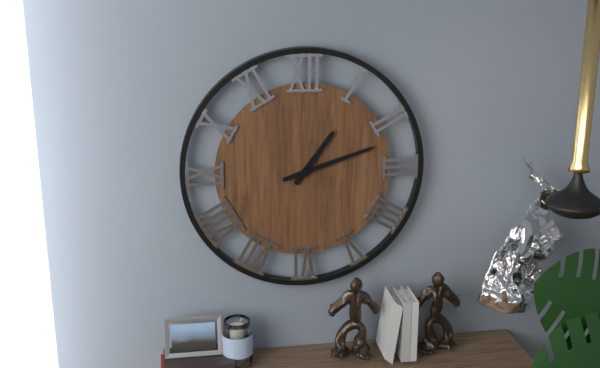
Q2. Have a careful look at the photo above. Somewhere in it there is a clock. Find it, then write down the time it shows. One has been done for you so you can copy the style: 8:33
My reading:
1:12
